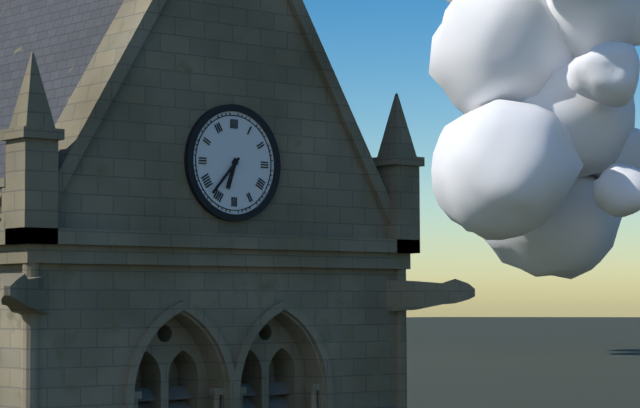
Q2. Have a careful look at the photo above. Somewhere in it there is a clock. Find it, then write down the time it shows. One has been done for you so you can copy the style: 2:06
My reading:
6:37
